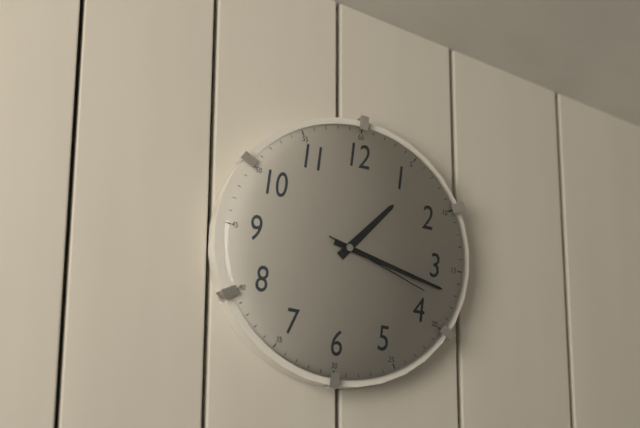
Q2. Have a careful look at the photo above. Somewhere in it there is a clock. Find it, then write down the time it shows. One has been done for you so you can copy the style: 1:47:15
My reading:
1:17:18
